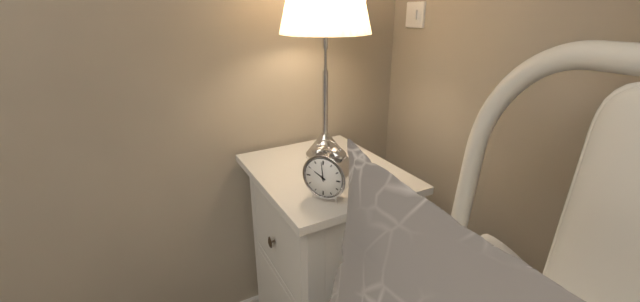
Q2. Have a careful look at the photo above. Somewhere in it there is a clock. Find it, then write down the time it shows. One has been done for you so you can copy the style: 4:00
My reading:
9:59
